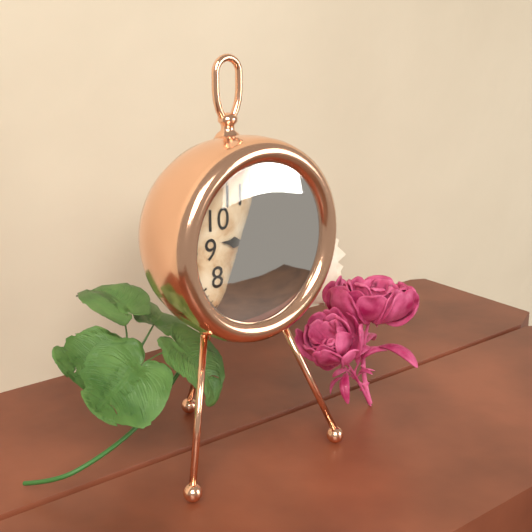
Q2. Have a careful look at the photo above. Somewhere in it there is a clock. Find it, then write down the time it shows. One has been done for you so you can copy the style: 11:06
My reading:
9:18
